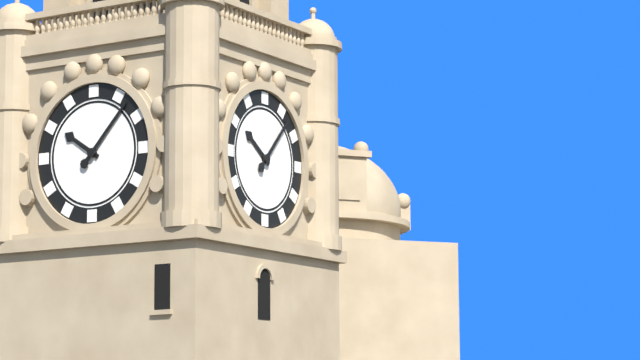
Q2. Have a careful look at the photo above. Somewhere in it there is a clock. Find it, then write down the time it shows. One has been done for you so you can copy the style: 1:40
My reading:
10:07
